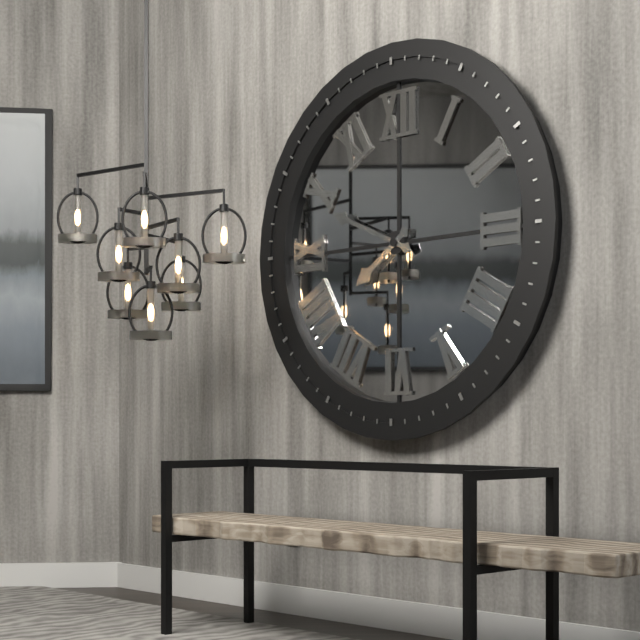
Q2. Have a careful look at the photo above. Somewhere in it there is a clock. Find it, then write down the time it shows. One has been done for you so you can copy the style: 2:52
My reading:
7:49
